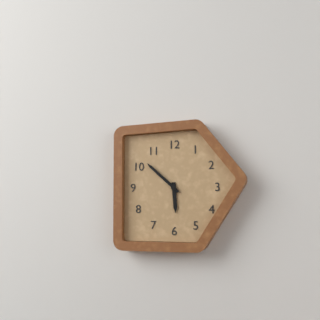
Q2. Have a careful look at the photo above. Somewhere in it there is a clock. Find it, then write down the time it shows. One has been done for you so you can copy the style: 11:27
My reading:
5:52
